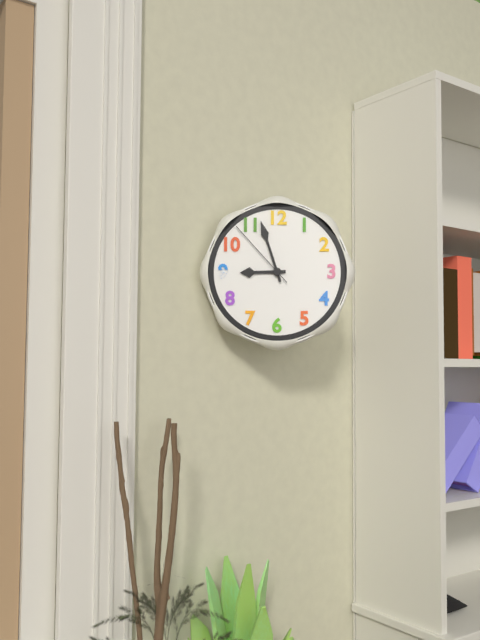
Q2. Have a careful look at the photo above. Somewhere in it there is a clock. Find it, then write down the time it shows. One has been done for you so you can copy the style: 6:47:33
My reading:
8:57:53
